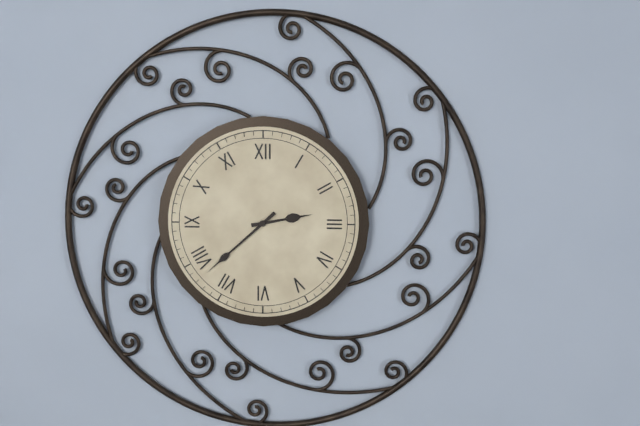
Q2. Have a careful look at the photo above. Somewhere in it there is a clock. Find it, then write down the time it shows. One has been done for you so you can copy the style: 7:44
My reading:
2:38
